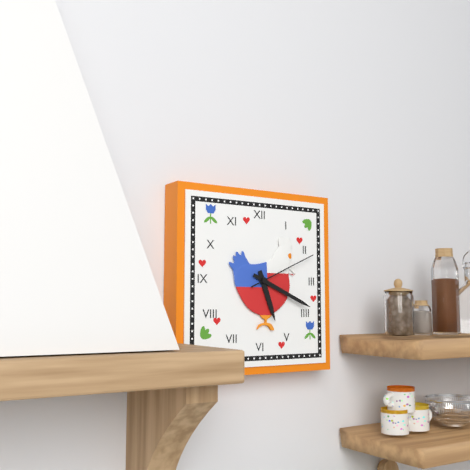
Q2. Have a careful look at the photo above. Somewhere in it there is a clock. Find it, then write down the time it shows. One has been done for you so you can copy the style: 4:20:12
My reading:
5:19:11
